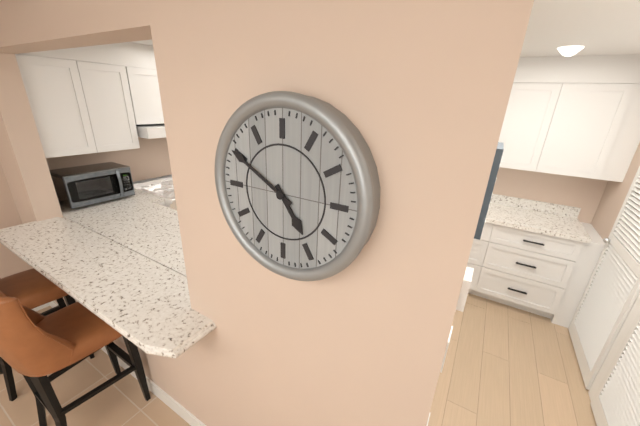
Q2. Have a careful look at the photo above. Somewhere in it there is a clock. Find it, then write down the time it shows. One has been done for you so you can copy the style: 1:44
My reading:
4:50
